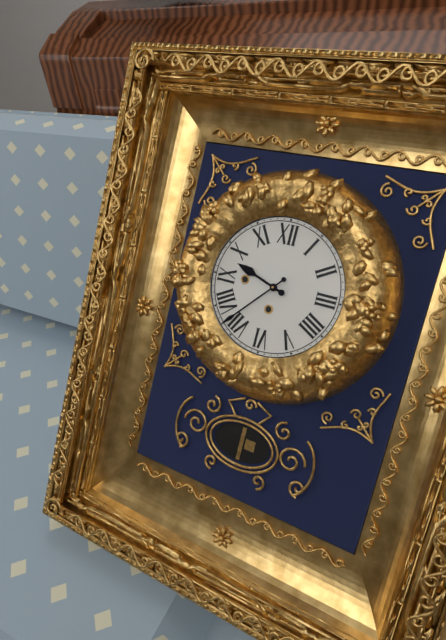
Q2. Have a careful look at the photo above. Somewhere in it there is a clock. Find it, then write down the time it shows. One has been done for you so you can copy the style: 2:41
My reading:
9:37
